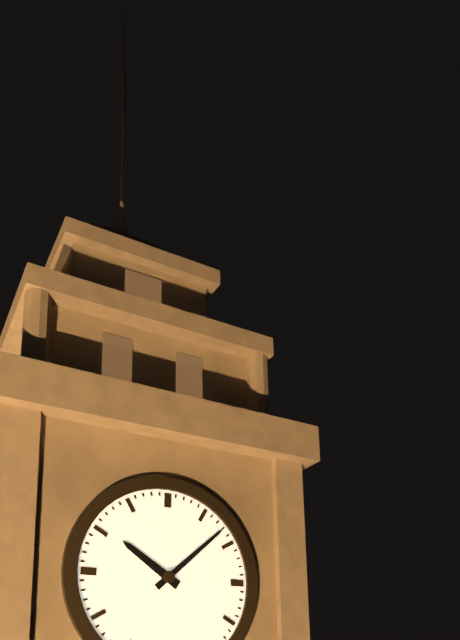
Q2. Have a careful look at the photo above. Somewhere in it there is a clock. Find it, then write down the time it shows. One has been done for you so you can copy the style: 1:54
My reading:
10:08
